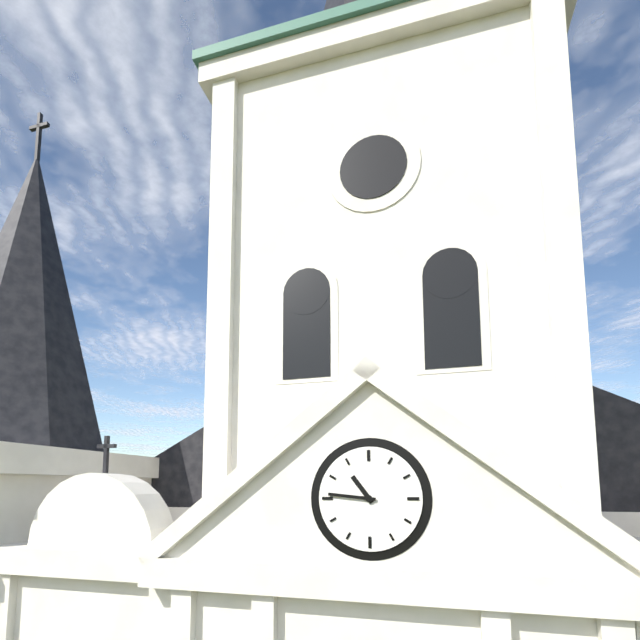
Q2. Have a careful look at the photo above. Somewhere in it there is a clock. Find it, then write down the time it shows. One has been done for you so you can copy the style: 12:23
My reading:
10:46
